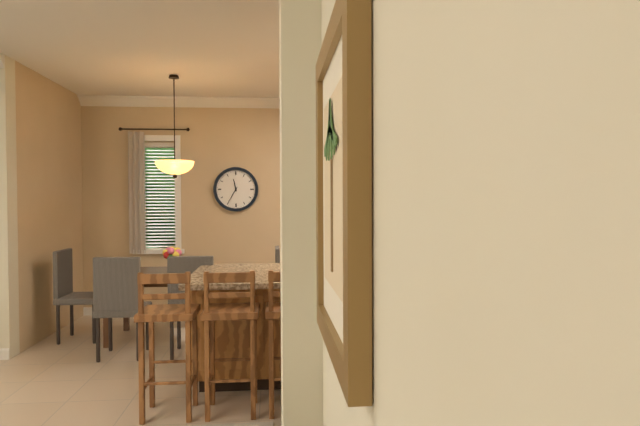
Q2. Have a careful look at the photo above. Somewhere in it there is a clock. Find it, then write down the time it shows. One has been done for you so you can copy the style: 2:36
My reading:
11:35
